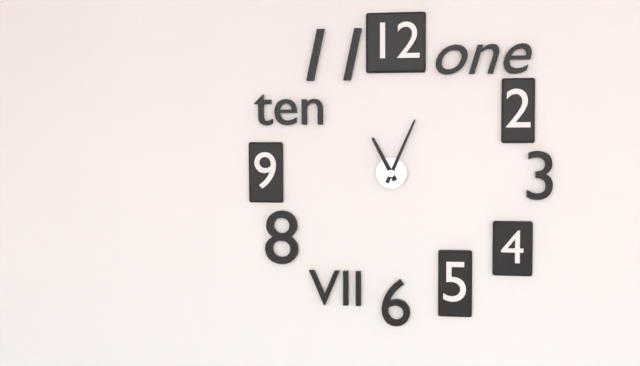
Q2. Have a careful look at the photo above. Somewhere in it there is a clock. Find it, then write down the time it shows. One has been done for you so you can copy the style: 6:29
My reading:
11:04
